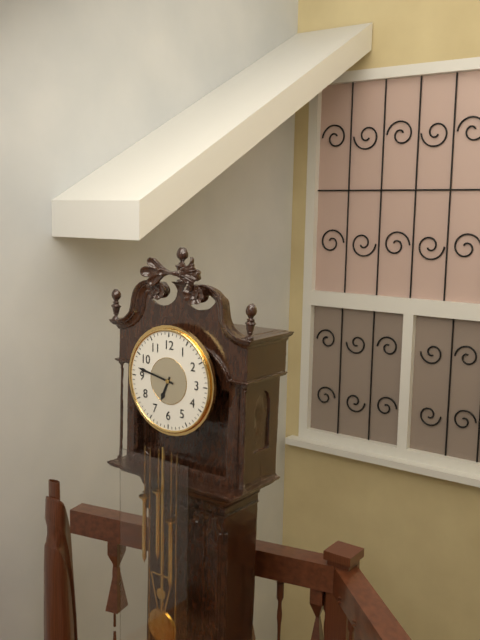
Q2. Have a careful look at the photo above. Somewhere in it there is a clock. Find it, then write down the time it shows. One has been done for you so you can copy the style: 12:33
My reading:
6:47
